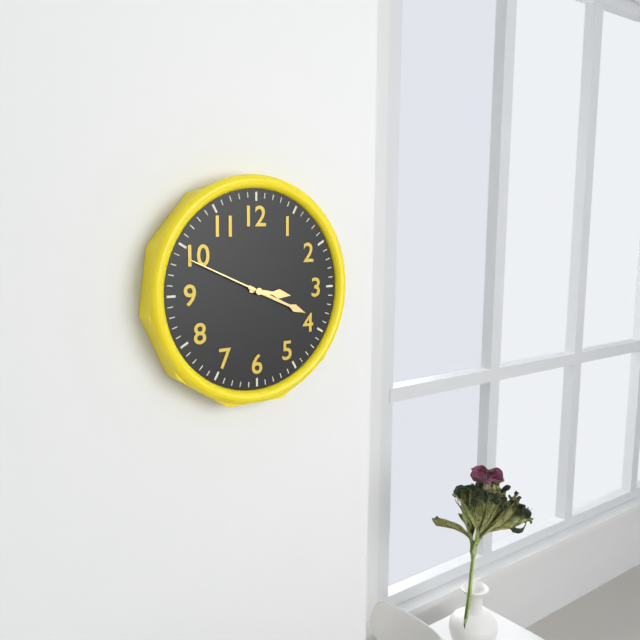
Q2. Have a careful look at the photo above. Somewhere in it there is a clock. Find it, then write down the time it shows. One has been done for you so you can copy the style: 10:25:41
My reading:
3:19:49
